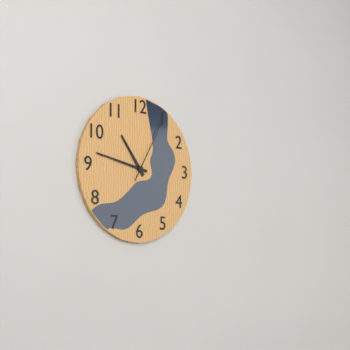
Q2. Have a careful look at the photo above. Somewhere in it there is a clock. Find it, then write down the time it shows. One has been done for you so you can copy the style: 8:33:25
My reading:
10:47:05
